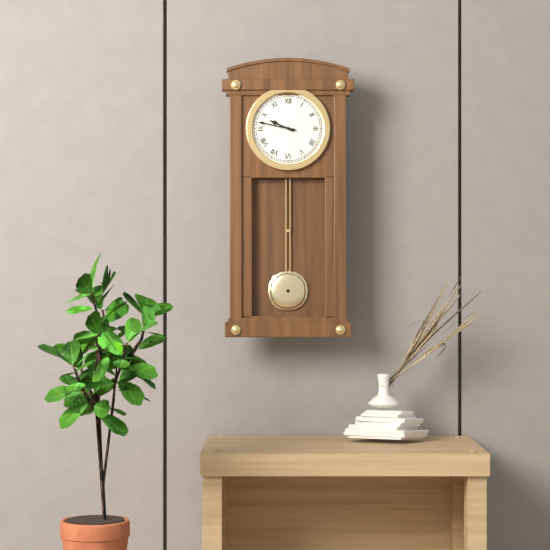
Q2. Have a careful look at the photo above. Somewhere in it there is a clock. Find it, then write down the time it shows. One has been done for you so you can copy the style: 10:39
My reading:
9:47
